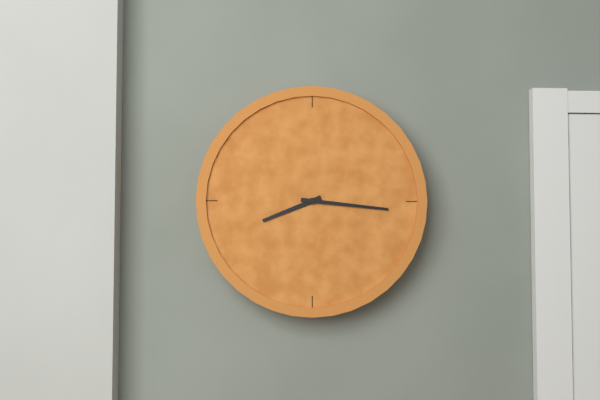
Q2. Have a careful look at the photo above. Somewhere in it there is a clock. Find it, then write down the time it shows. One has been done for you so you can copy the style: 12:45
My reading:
8:16
